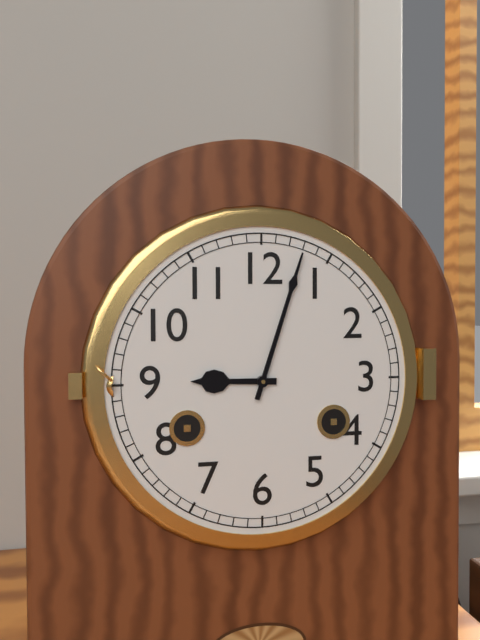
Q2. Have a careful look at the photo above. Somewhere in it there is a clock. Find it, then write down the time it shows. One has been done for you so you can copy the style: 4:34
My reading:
9:03
